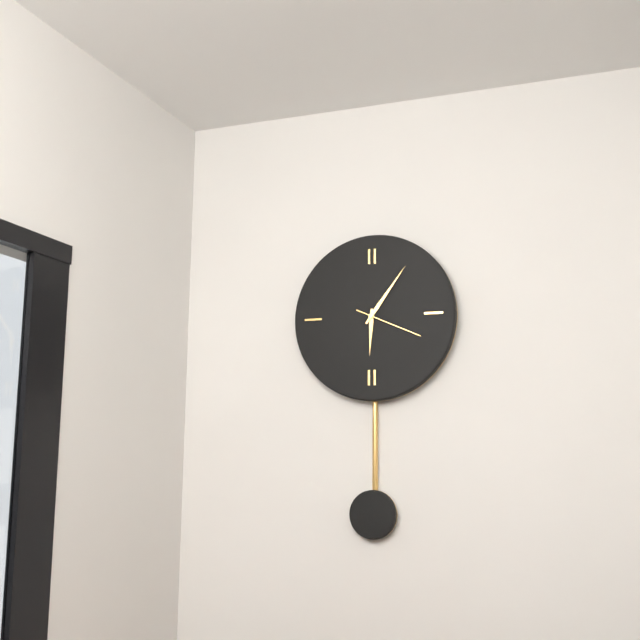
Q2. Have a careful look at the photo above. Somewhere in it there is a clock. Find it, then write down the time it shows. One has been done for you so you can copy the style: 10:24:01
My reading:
6:06:19
